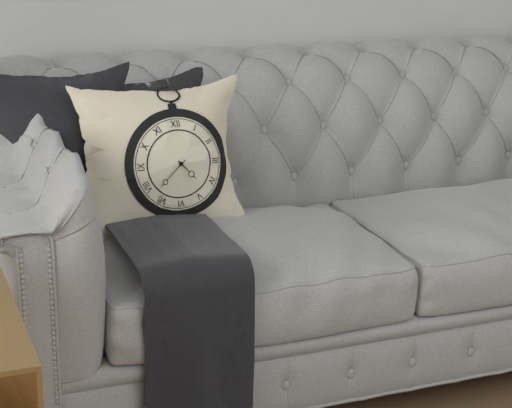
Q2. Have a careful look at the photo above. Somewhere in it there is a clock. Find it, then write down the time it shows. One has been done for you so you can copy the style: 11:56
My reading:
4:38
